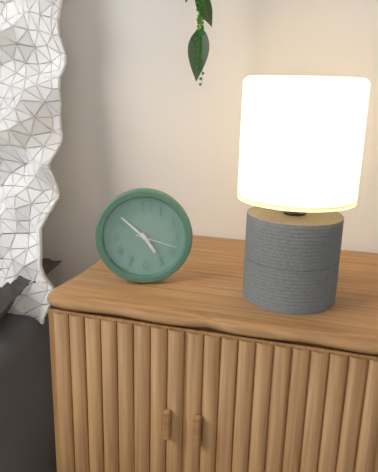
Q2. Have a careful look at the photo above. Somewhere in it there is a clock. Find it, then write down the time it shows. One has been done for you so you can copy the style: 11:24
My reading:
4:52
